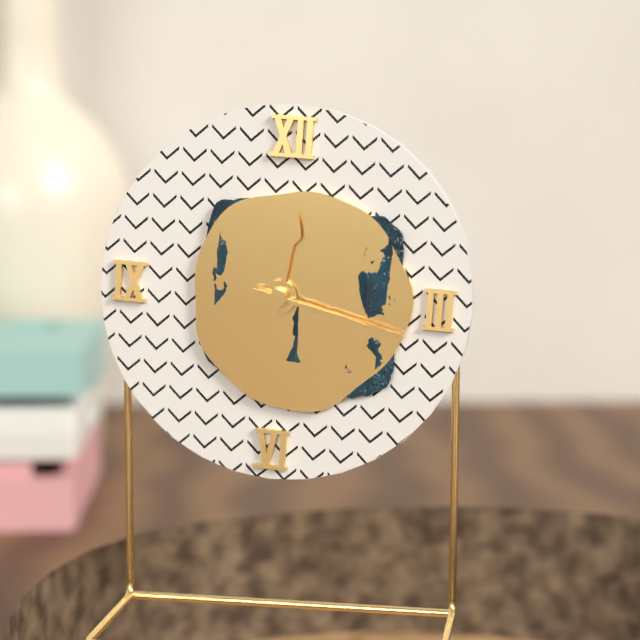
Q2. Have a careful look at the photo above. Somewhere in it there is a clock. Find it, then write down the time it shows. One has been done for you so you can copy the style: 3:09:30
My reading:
12:17:17
